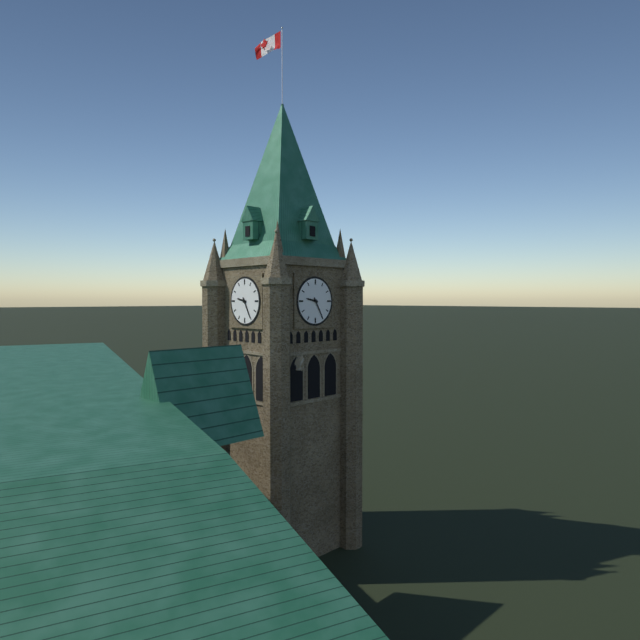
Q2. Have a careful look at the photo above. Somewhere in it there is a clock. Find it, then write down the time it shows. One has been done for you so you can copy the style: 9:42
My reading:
9:25
